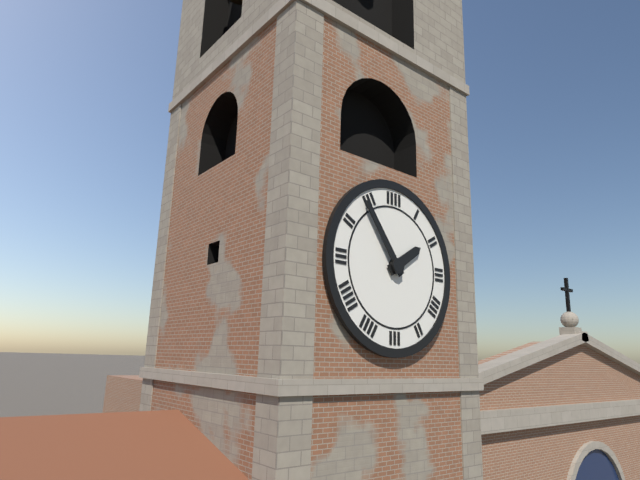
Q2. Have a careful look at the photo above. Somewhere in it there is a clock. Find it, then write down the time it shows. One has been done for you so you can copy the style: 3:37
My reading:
1:54
